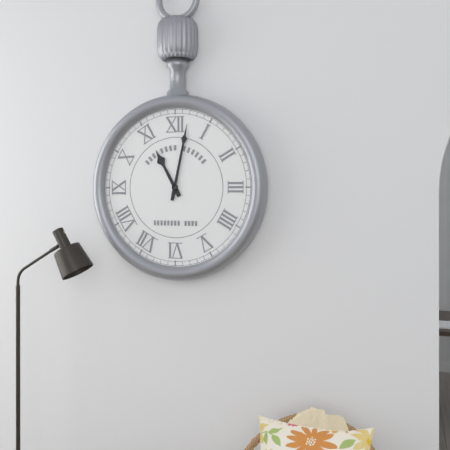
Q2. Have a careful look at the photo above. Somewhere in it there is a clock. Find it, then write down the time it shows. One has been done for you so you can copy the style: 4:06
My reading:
11:02
